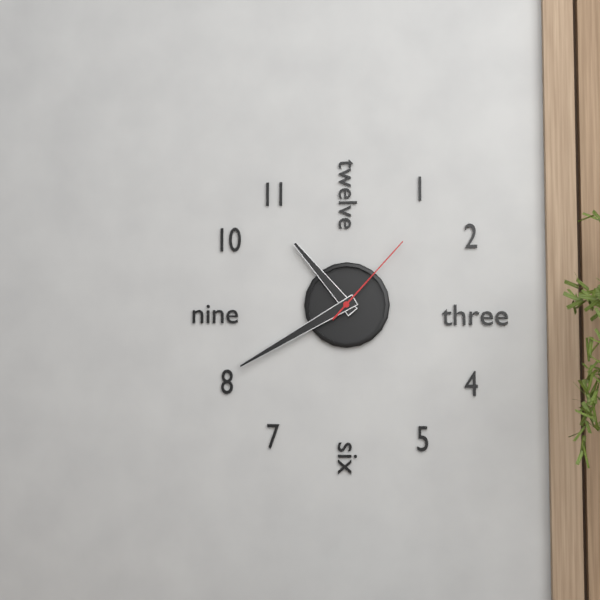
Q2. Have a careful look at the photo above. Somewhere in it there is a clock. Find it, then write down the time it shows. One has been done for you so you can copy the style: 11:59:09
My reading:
10:40:07
